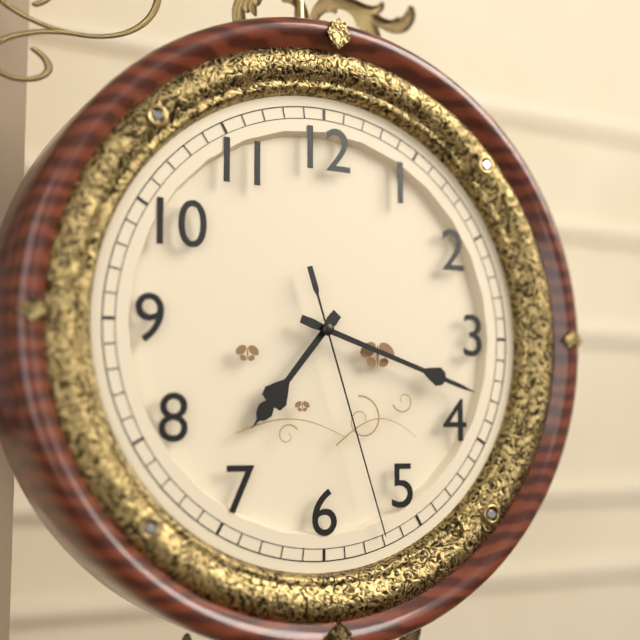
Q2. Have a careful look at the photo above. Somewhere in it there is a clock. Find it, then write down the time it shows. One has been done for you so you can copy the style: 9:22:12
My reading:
7:18:27
